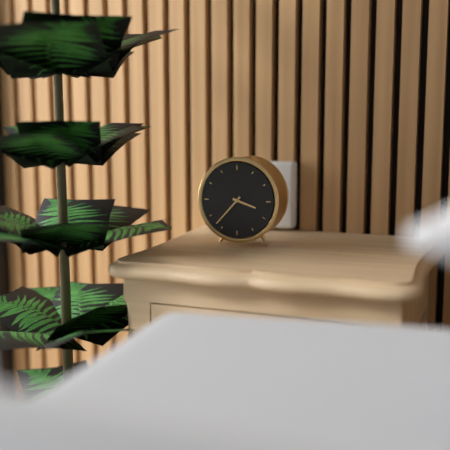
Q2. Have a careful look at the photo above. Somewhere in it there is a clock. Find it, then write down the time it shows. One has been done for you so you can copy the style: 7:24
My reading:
3:37
